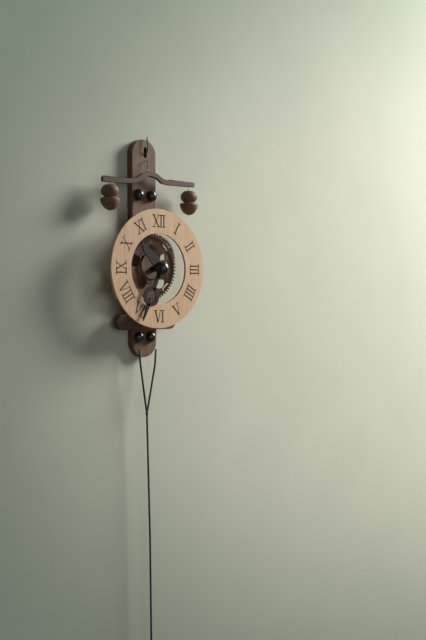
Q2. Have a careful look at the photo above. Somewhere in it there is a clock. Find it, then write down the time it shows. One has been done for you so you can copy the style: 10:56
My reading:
10:34
